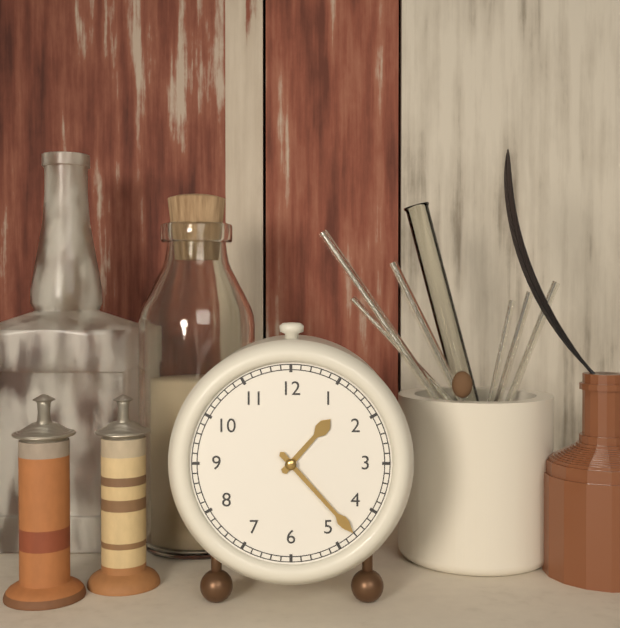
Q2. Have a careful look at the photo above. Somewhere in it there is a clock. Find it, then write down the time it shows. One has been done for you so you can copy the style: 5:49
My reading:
1:23
